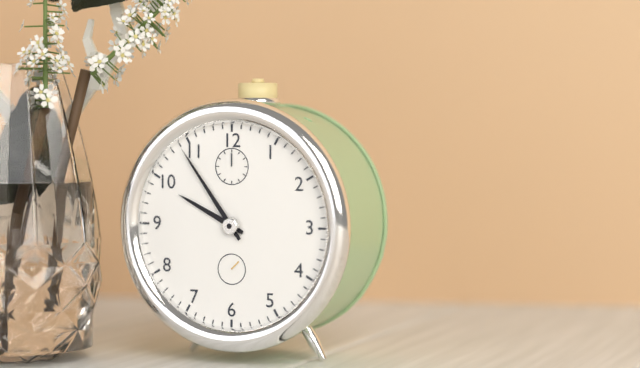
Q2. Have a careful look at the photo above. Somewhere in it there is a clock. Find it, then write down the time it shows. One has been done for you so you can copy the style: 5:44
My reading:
9:54
